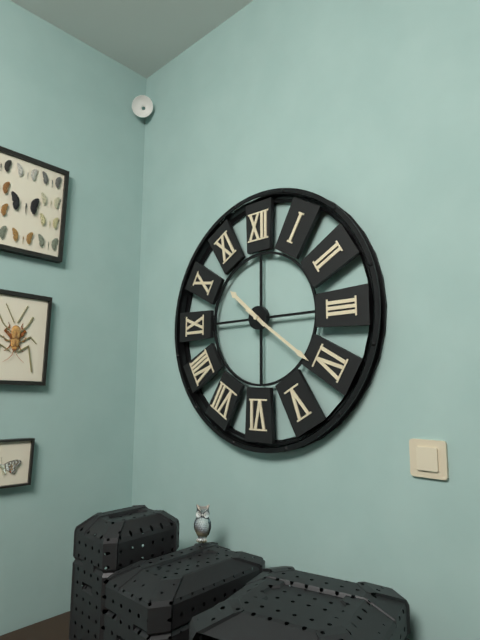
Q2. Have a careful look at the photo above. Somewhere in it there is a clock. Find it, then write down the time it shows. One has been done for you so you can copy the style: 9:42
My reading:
10:21
